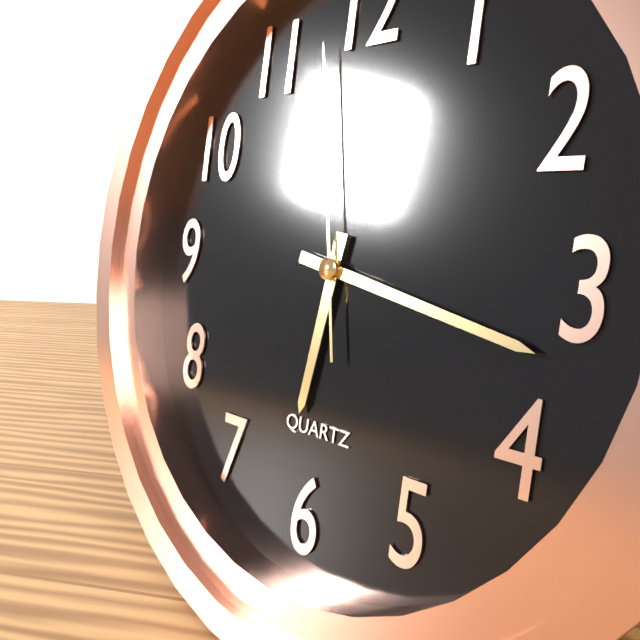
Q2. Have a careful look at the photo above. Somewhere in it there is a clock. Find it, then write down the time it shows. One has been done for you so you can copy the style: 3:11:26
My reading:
6:17:58
